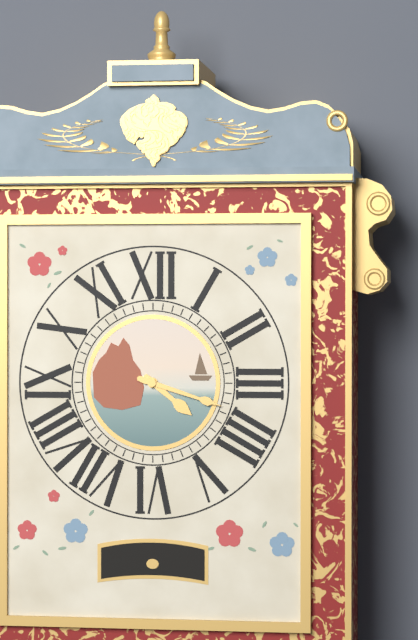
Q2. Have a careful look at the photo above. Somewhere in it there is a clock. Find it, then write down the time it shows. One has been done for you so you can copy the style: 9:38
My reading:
4:18
